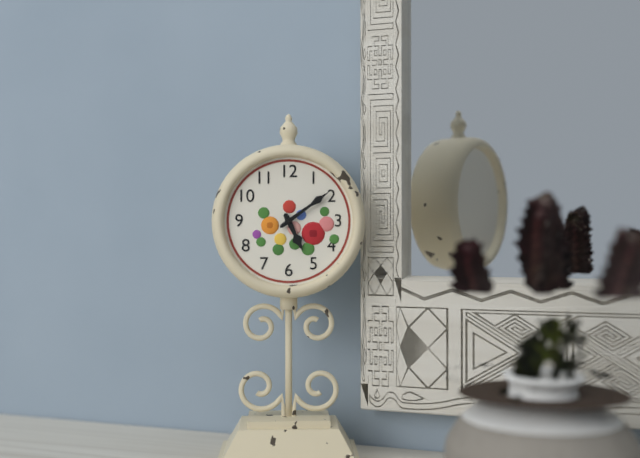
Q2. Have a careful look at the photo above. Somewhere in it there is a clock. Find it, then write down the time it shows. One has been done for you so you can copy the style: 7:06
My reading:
5:09
